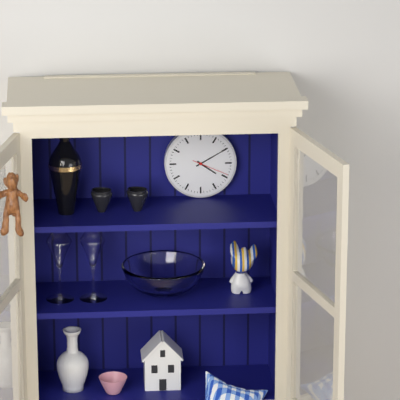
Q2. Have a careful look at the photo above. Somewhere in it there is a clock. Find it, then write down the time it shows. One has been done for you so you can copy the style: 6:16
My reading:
4:10
